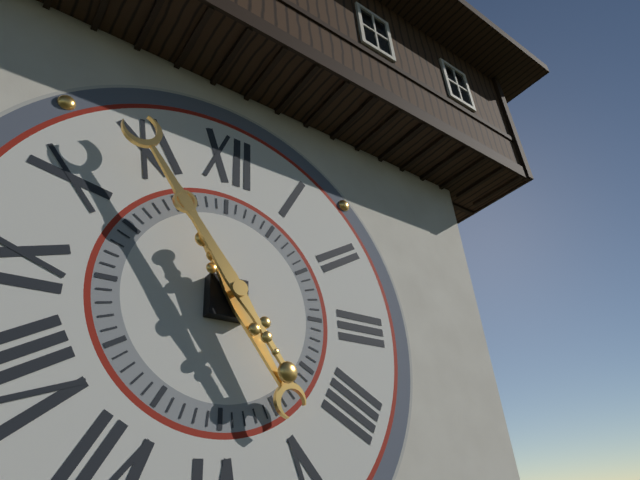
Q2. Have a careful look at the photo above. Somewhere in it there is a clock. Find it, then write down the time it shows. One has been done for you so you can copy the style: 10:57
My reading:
4:54
